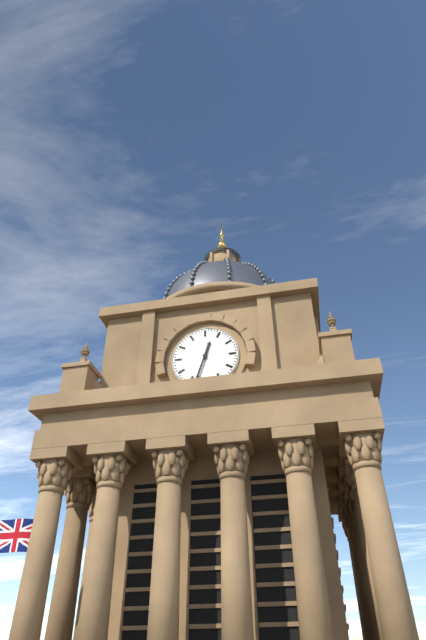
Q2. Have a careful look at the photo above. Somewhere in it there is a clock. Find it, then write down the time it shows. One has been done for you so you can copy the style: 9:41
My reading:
12:33
